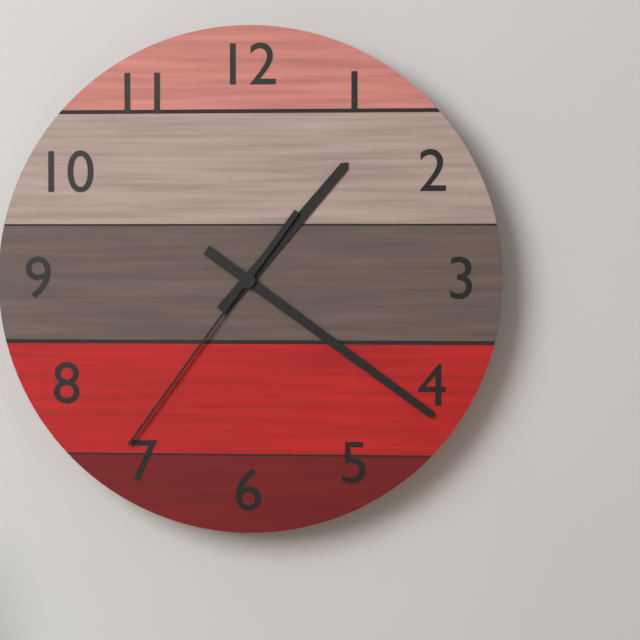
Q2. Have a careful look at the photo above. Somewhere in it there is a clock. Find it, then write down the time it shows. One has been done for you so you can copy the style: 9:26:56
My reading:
1:21:36
